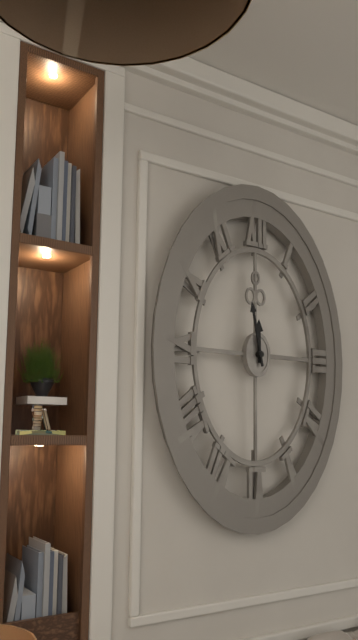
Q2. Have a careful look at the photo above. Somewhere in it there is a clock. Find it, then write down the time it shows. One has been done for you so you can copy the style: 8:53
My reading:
11:58
